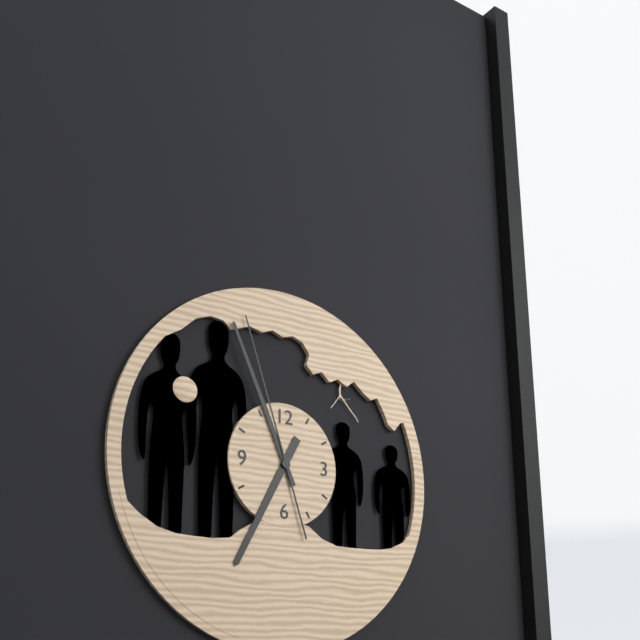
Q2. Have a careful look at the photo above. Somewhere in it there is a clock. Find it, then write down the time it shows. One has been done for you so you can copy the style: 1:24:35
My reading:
6:56:57
